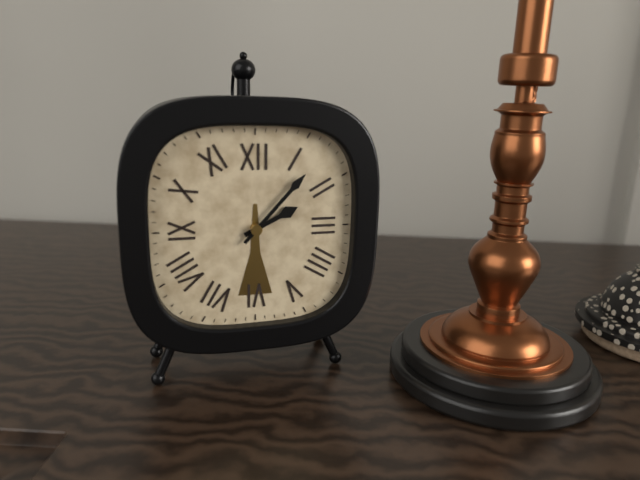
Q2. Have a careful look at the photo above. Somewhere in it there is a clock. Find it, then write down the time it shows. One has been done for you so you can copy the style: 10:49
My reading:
2:07
